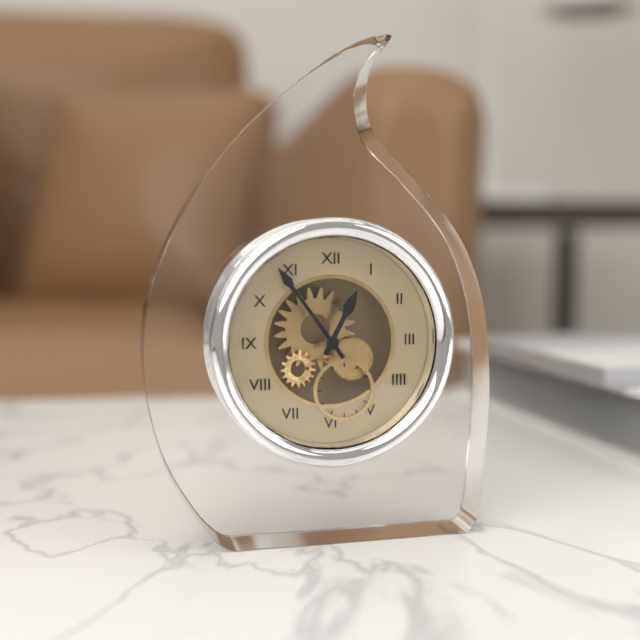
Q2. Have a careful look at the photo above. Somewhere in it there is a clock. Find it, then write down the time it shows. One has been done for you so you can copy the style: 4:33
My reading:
12:54
